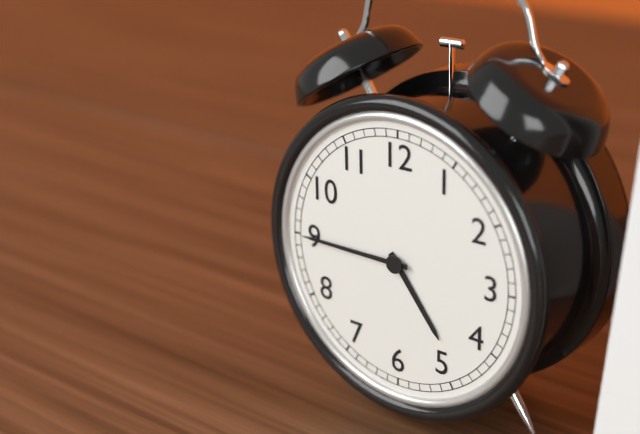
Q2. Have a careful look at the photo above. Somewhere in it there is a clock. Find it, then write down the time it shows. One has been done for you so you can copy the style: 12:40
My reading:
4:45
